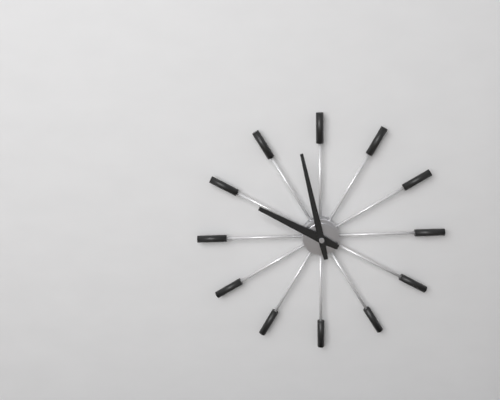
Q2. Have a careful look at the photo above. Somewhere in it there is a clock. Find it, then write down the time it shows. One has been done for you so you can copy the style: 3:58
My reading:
9:58
